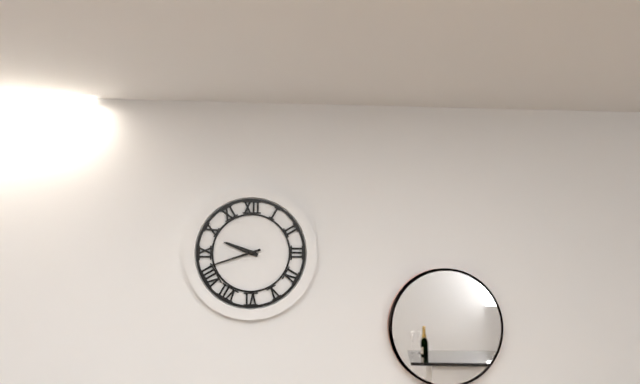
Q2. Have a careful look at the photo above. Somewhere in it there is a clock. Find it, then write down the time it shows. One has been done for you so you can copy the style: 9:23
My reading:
9:42
